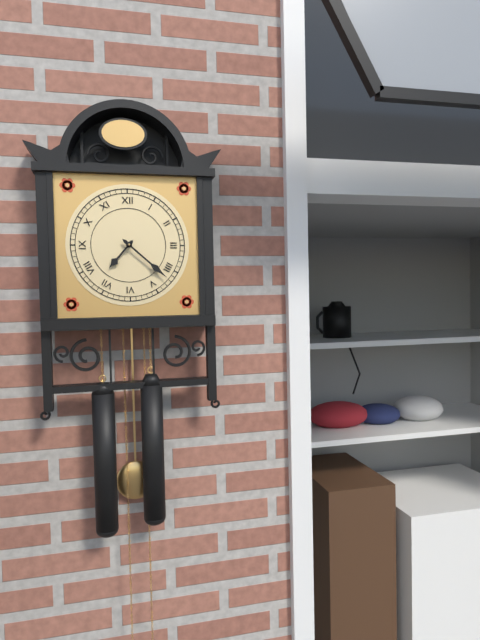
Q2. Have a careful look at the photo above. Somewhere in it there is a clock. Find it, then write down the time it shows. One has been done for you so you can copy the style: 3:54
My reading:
7:22
